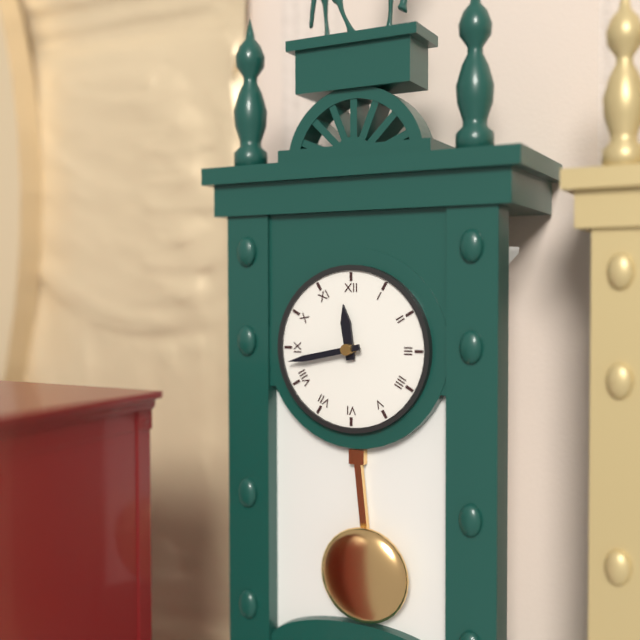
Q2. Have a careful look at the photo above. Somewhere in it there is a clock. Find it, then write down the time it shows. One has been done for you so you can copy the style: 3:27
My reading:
11:43
